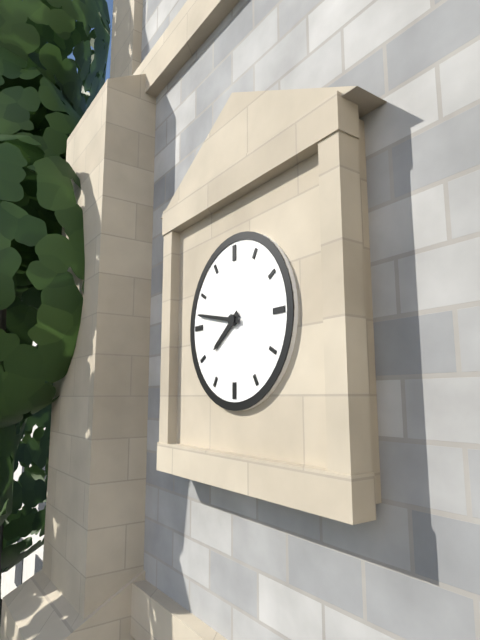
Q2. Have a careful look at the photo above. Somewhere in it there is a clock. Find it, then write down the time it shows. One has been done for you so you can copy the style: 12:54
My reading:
7:47
